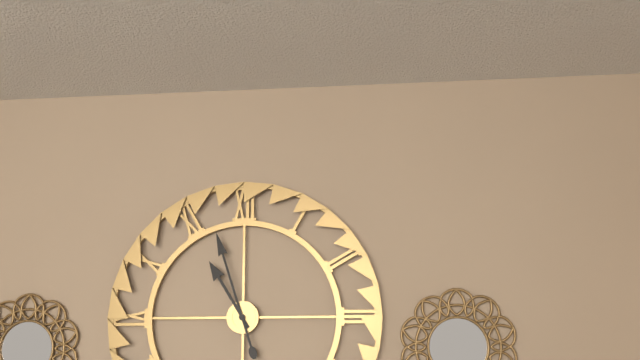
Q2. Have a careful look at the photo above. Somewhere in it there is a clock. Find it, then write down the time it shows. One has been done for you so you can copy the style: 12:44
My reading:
10:57
